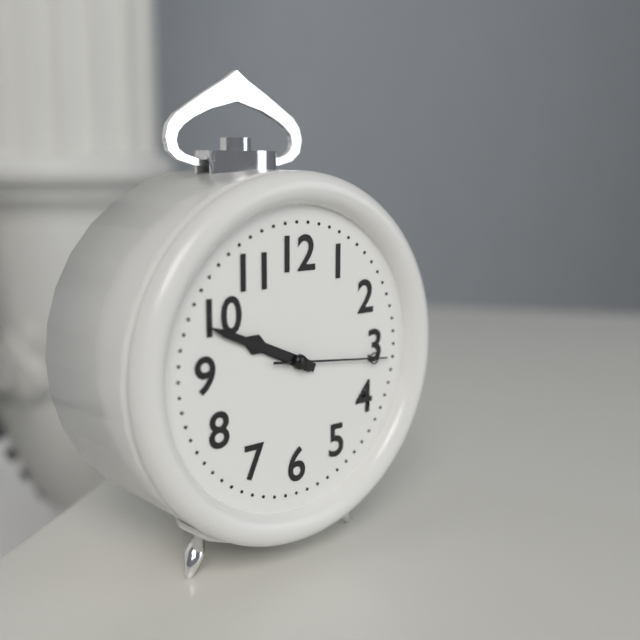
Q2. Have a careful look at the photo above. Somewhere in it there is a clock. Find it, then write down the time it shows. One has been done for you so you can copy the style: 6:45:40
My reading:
9:49:16
